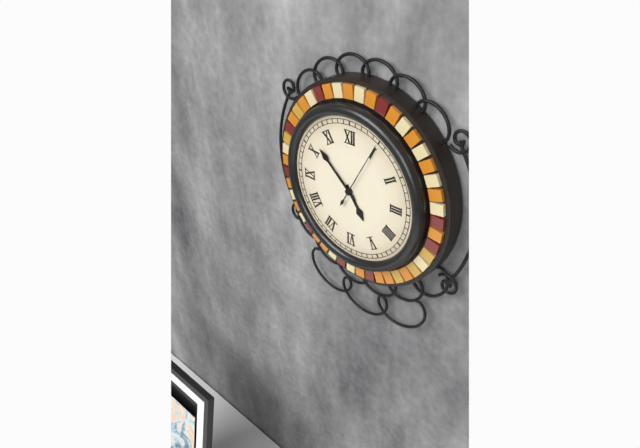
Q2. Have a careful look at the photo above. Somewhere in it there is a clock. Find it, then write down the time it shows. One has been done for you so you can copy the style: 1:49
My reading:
4:52
